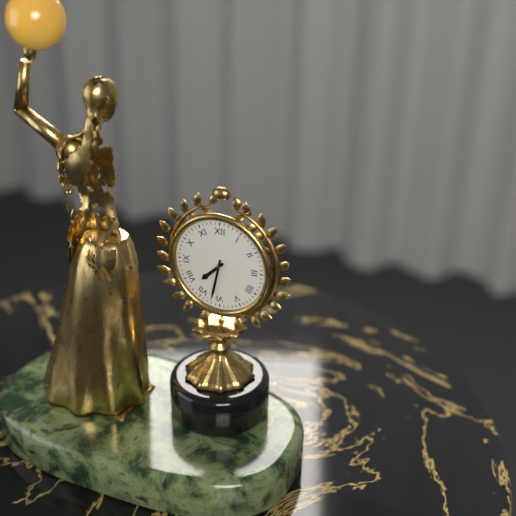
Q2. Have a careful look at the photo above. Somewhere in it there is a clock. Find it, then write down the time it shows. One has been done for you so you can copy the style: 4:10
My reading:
7:32
